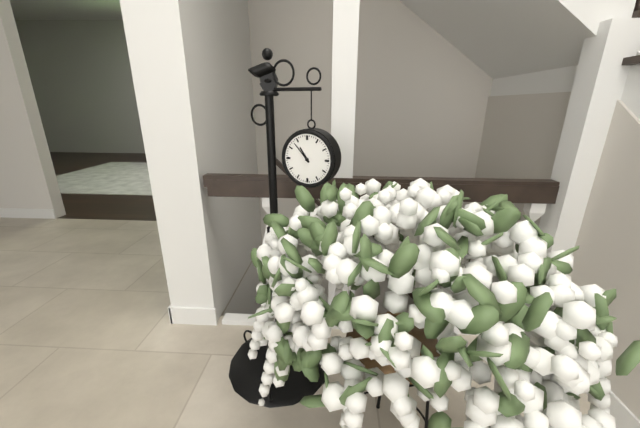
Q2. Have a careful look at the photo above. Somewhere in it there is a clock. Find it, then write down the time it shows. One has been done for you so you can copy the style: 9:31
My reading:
10:53
